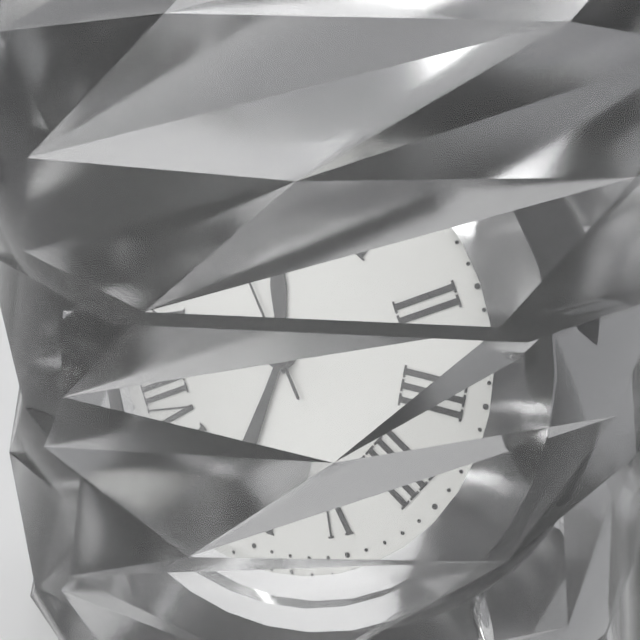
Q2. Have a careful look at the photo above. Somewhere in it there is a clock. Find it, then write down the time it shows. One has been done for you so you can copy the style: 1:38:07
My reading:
11:32:54
